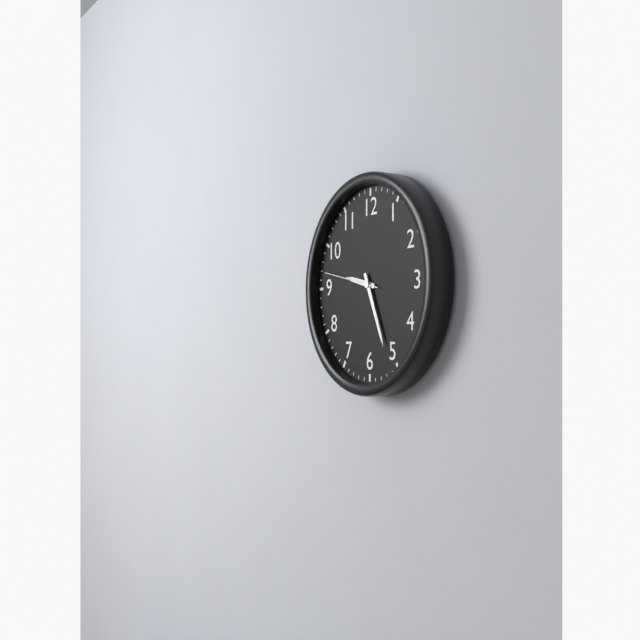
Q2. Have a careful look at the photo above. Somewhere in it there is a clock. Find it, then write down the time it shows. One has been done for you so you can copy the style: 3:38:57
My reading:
9:26:47
